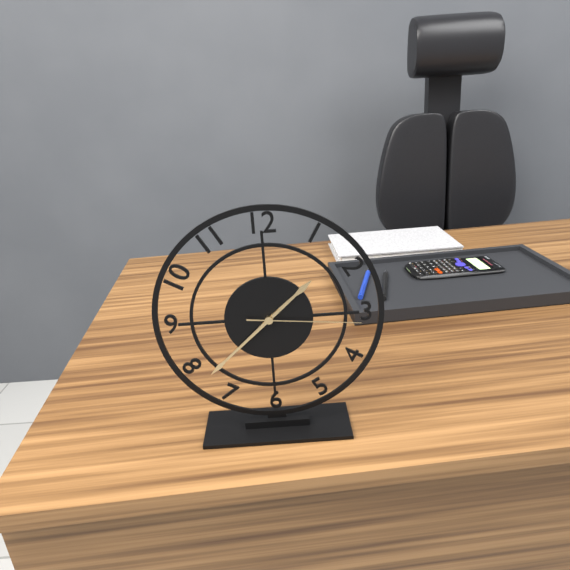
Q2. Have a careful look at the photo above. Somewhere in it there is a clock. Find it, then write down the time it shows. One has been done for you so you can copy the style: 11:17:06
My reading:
1:38:16
